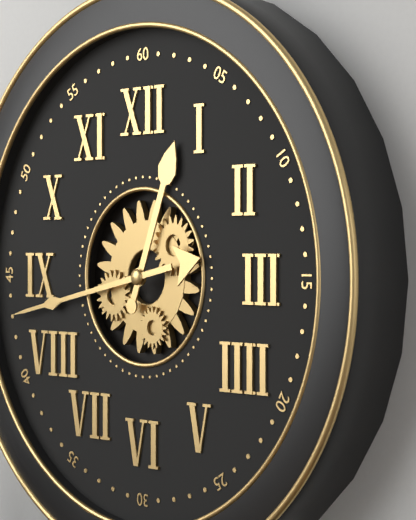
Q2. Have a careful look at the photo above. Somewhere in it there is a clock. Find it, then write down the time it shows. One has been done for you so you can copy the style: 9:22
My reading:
12:43
